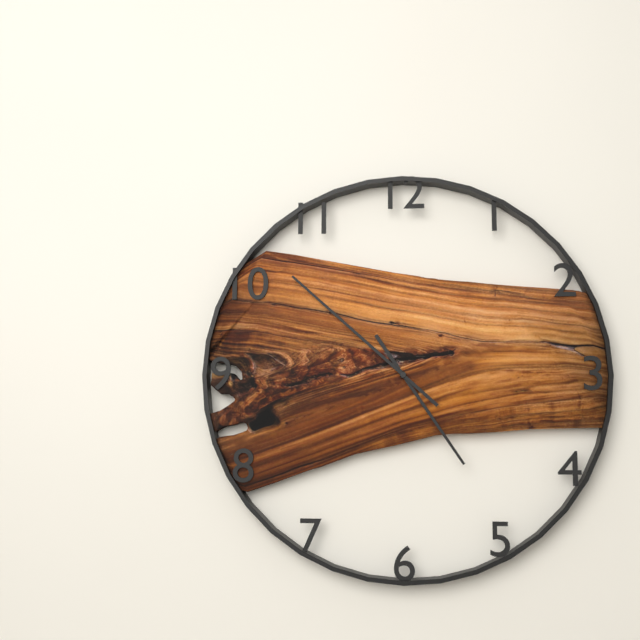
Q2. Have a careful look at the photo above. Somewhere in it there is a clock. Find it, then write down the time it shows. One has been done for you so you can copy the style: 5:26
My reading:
4:52
